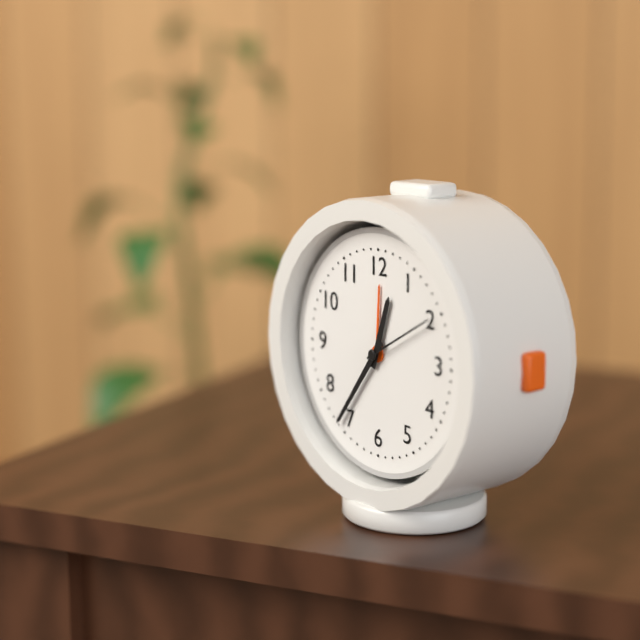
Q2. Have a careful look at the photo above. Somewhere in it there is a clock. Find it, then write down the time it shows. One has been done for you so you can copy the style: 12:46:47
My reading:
12:36:10
